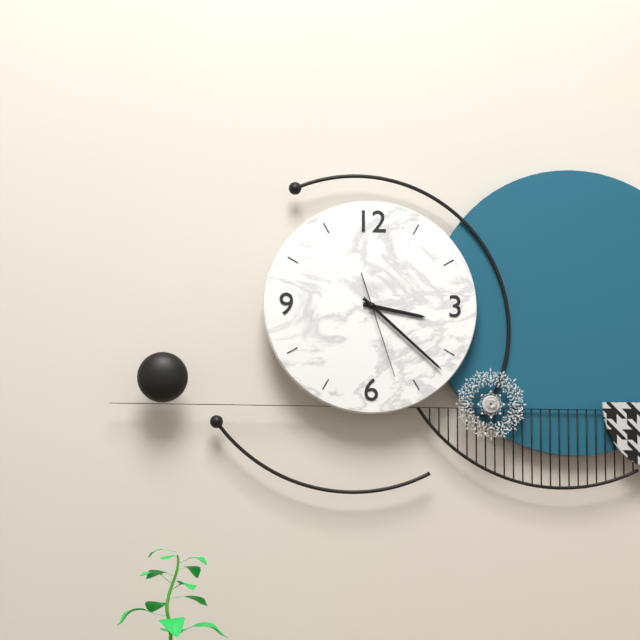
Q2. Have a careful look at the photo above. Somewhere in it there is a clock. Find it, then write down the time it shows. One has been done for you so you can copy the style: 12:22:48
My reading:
3:22:27
